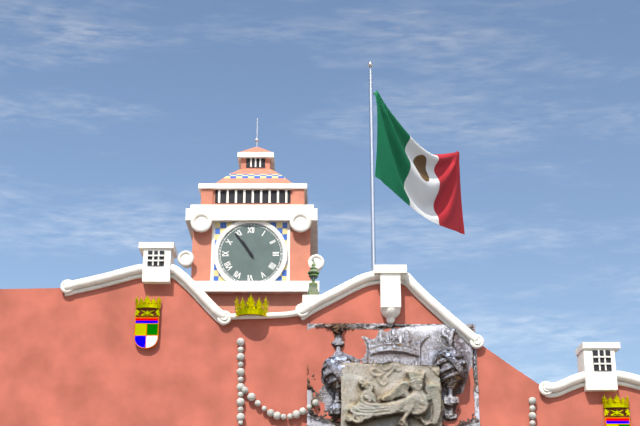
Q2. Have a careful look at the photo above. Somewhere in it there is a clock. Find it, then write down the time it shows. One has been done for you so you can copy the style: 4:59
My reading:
10:54
